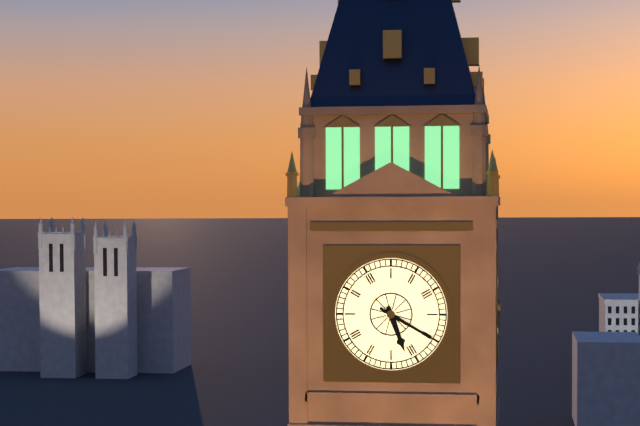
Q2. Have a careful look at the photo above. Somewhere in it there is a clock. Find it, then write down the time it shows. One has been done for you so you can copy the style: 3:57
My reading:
5:20
